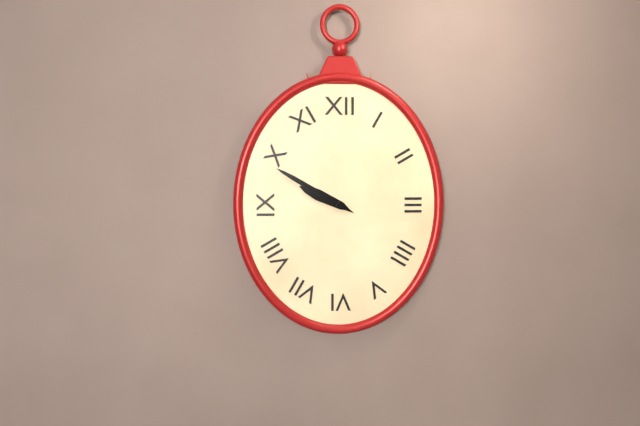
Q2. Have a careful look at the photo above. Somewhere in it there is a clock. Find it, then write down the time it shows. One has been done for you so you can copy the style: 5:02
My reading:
9:50
